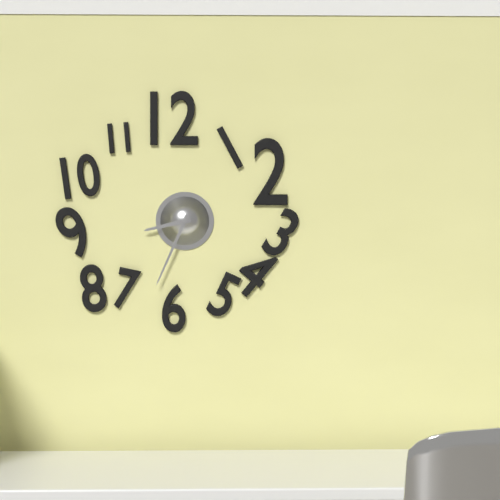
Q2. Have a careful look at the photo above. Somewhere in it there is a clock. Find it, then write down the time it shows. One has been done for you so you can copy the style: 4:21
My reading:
8:34
